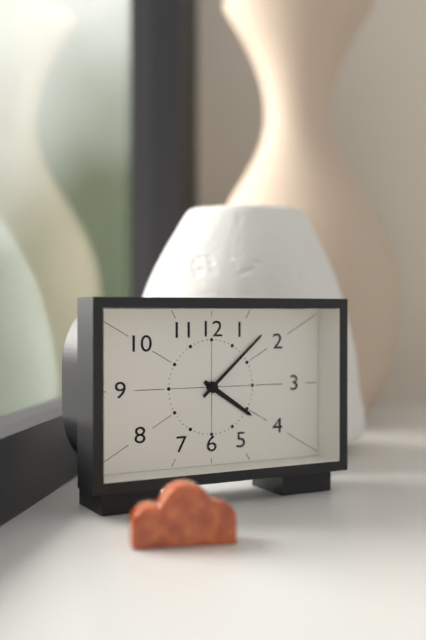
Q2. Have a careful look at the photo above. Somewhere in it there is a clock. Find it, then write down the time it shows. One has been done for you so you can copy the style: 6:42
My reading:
4:08
